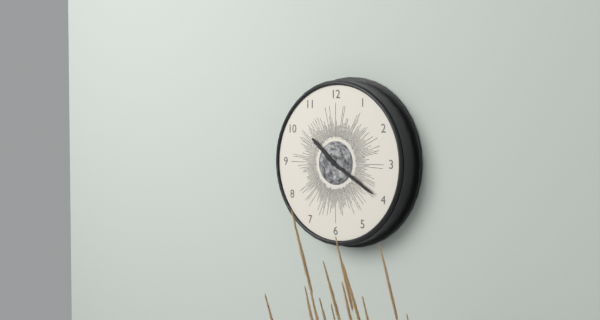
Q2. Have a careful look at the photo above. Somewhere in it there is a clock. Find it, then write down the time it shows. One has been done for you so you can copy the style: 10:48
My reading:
10:20
